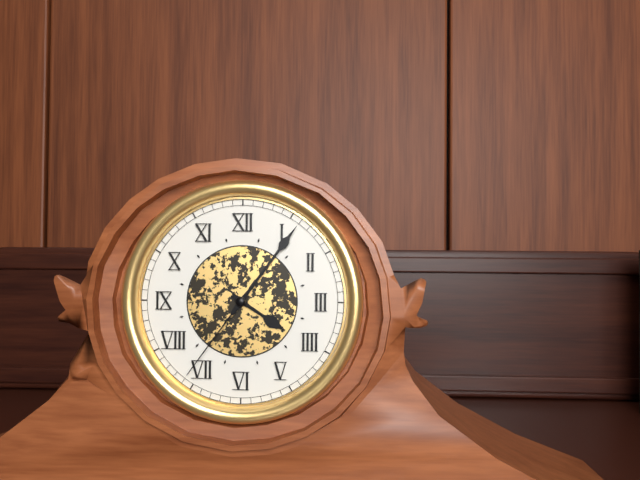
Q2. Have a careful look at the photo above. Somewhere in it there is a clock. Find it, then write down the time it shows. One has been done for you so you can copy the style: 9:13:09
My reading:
4:06:36
